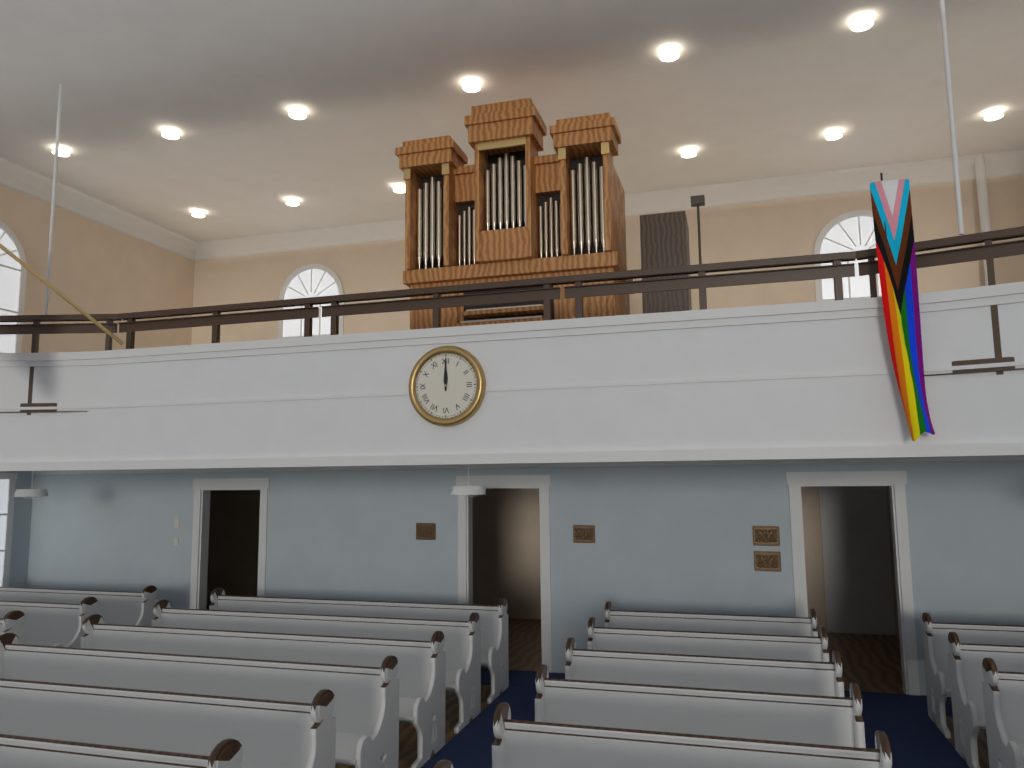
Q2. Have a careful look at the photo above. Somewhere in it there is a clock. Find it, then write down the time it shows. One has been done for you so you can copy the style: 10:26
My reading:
12:00
